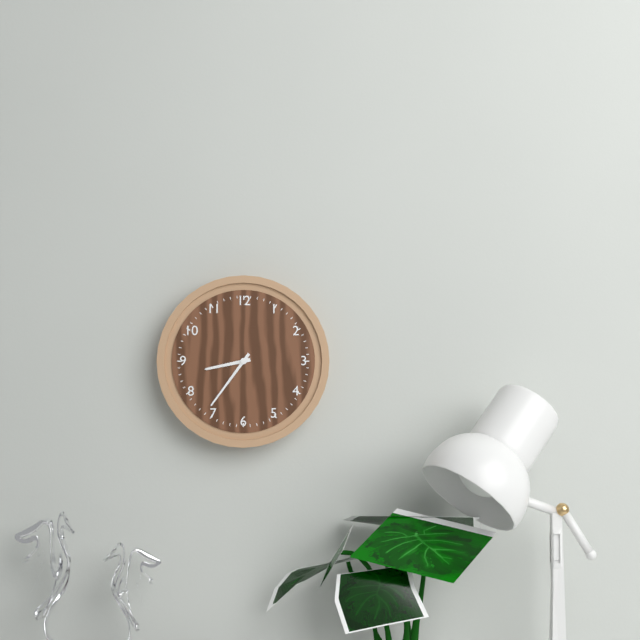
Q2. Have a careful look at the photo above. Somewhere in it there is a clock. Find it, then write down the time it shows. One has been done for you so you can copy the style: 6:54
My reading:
8:36
